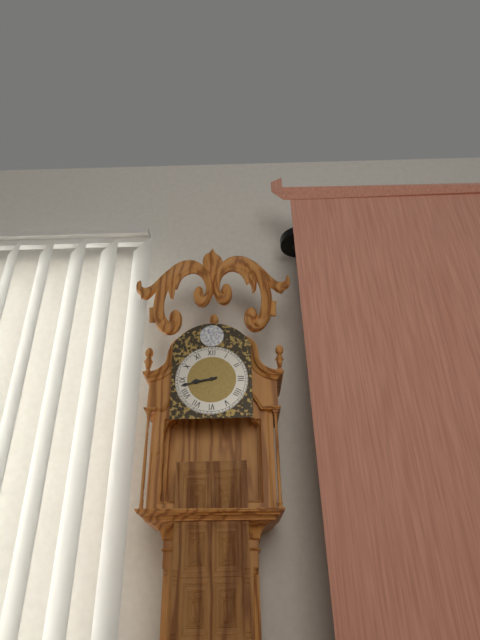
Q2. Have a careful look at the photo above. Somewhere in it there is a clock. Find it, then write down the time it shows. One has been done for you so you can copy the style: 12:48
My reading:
8:43
